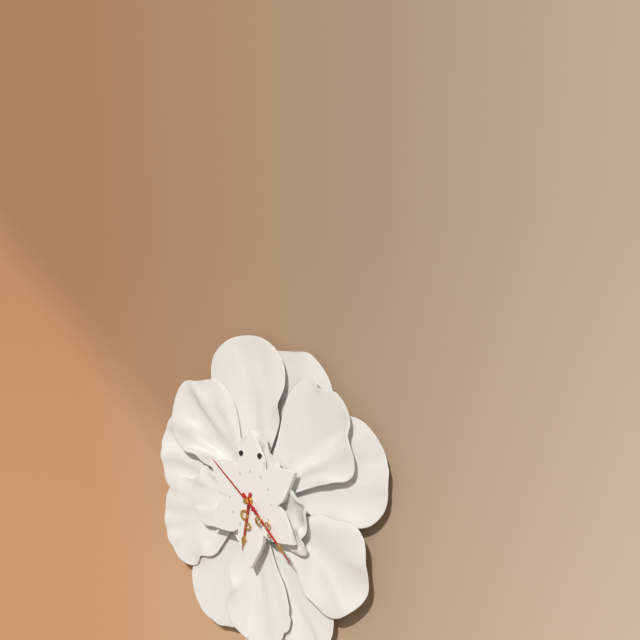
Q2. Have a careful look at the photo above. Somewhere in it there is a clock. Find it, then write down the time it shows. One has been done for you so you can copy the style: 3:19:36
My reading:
6:22:51
